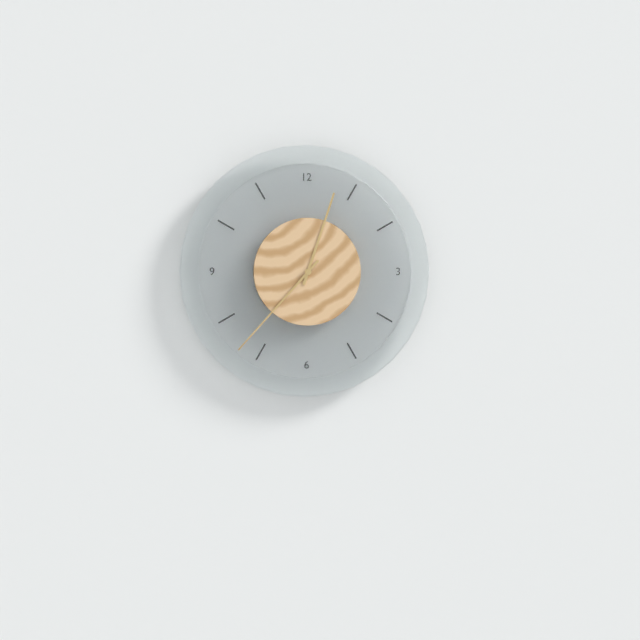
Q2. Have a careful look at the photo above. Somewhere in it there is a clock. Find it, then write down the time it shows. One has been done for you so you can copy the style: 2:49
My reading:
12:37
